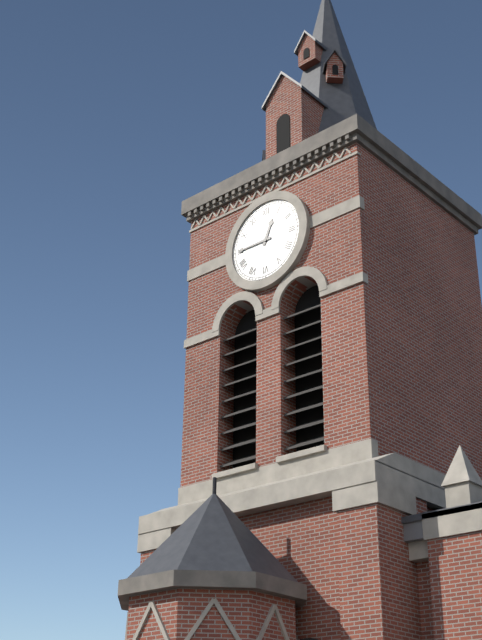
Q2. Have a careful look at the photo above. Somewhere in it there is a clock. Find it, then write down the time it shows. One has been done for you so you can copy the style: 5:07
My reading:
12:45
